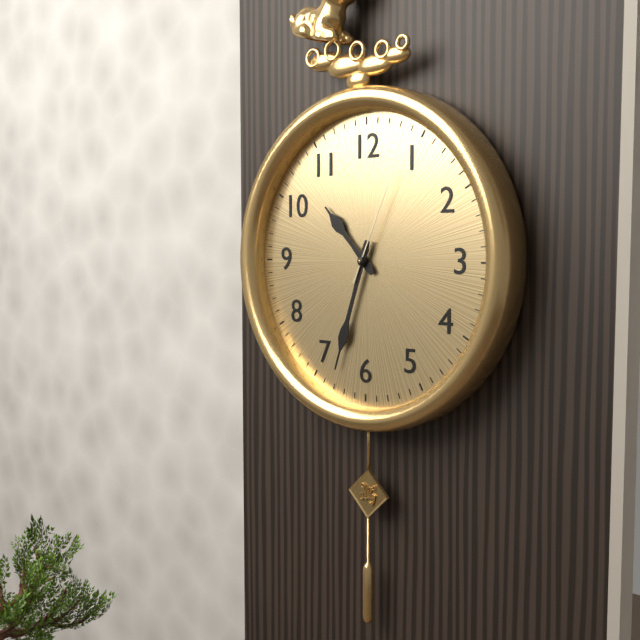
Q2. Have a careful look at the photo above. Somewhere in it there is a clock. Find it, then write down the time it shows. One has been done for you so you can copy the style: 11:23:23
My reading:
10:33:04
